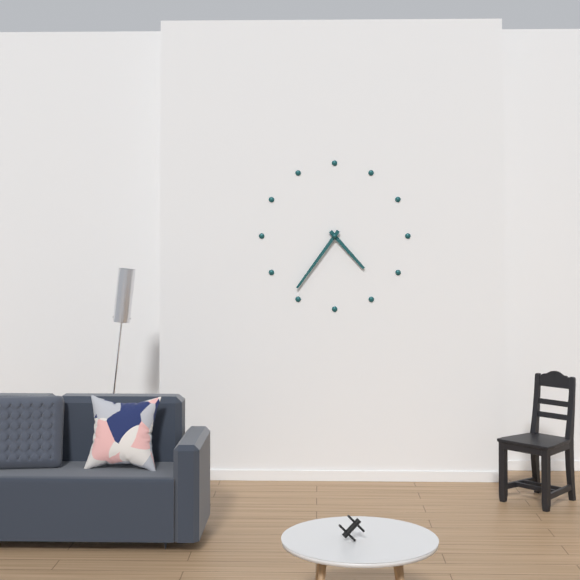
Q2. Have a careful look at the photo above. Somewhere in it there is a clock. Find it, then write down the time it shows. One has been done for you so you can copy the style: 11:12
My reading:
4:36
